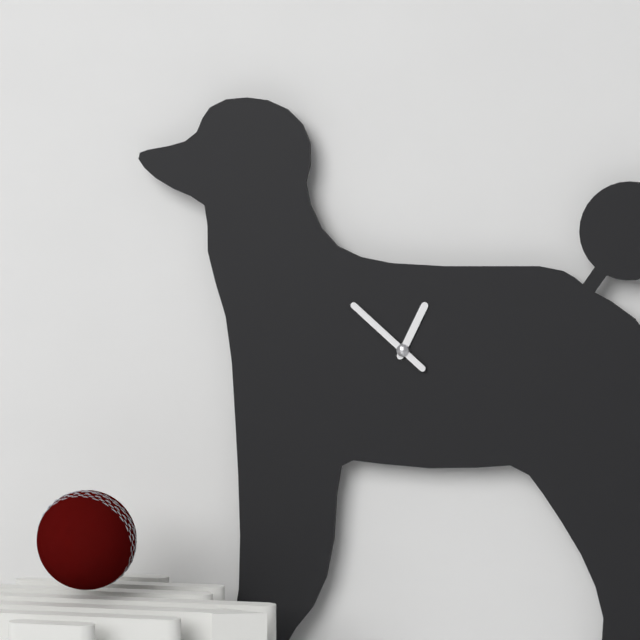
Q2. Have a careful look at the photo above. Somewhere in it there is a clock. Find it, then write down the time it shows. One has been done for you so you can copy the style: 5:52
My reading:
12:52
